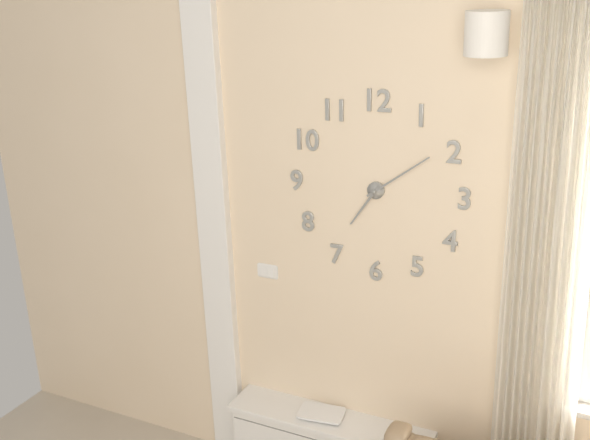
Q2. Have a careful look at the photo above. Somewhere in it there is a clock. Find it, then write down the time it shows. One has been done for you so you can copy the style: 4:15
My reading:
7:09
